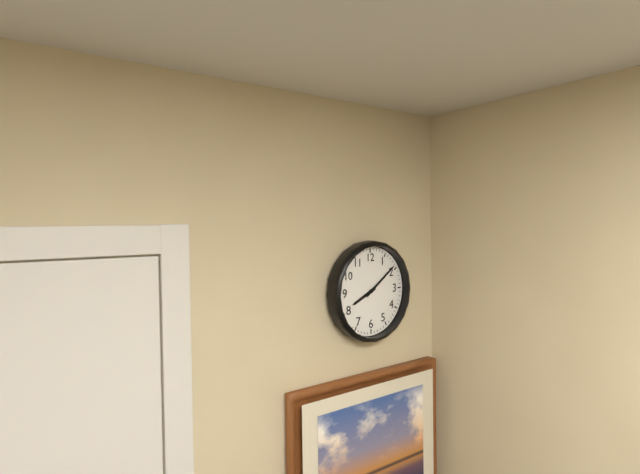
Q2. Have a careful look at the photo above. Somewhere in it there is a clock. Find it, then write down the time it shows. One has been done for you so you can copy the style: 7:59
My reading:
8:09
